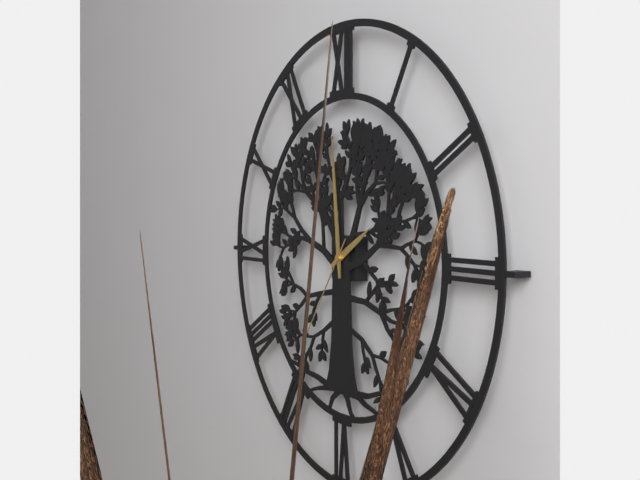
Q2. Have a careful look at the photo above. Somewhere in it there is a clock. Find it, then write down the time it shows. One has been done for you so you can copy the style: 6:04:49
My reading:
1:59:36
